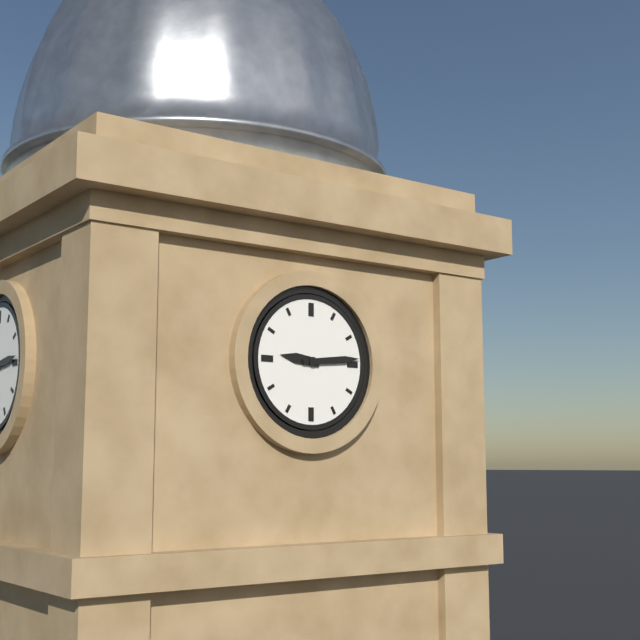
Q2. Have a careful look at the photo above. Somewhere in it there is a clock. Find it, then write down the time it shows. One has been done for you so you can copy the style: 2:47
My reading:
9:14
